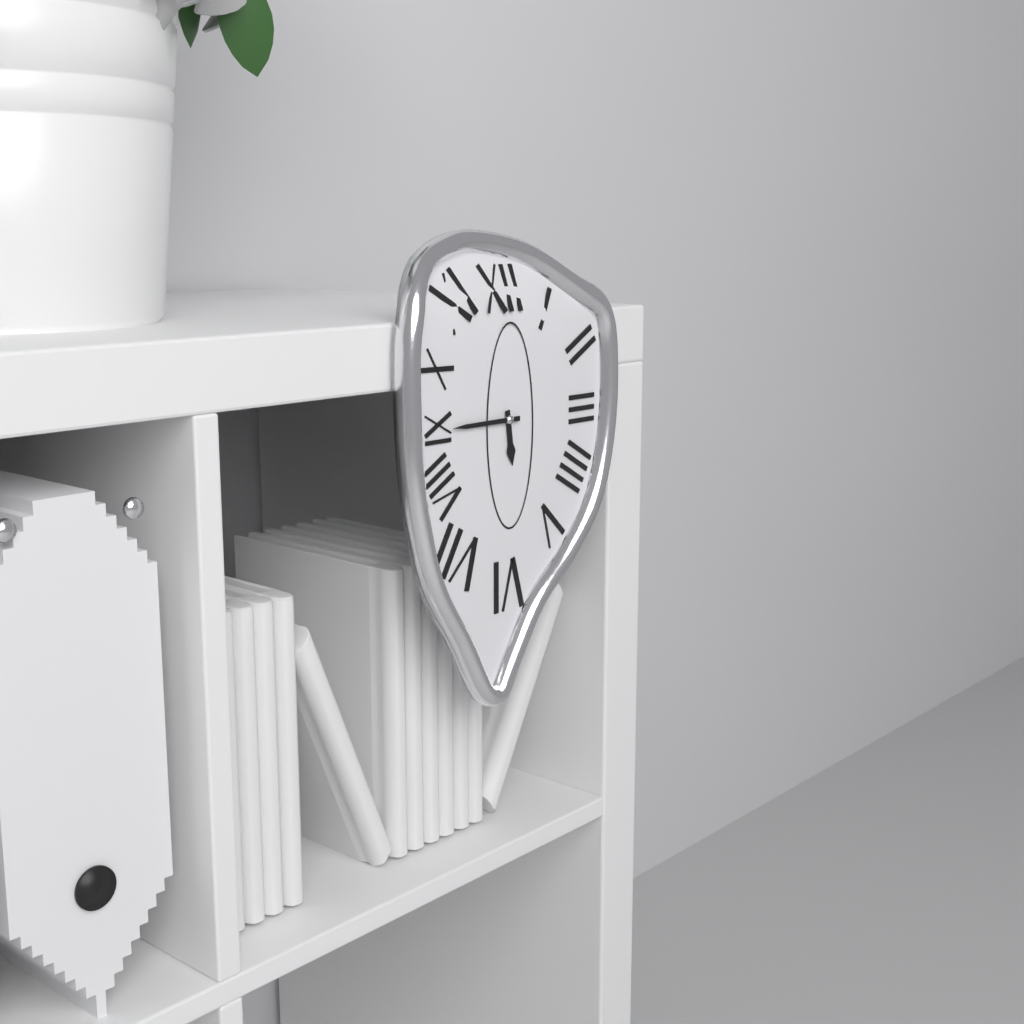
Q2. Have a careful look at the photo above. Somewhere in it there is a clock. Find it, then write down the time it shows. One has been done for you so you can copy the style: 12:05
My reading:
5:45
